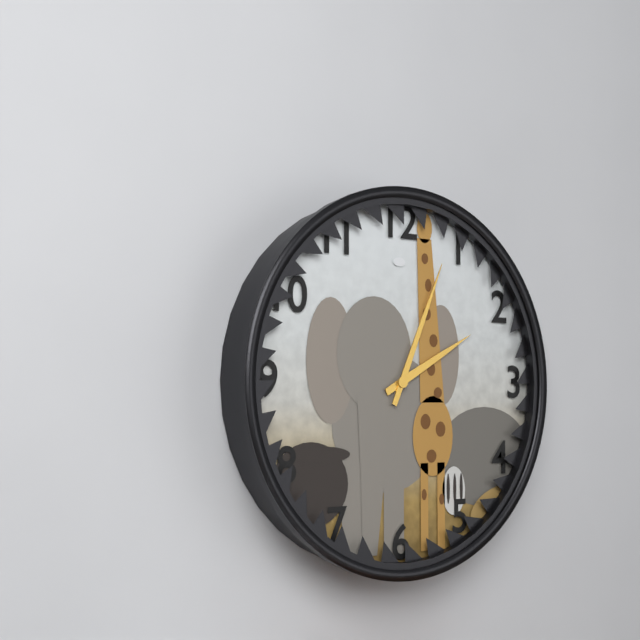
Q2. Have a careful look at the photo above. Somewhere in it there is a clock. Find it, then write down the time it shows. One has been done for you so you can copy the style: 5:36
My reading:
2:04
